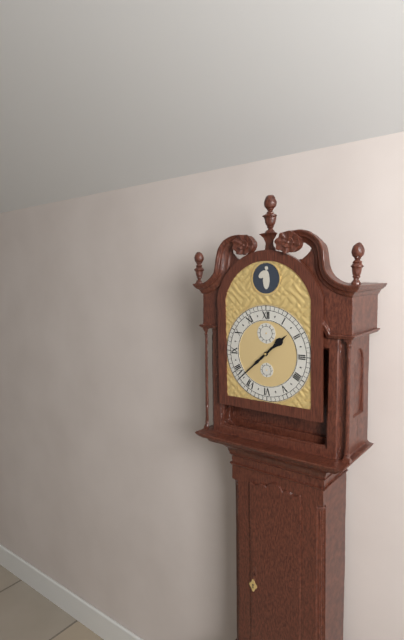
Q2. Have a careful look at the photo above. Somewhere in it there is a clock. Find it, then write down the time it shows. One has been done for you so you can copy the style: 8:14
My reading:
1:38
